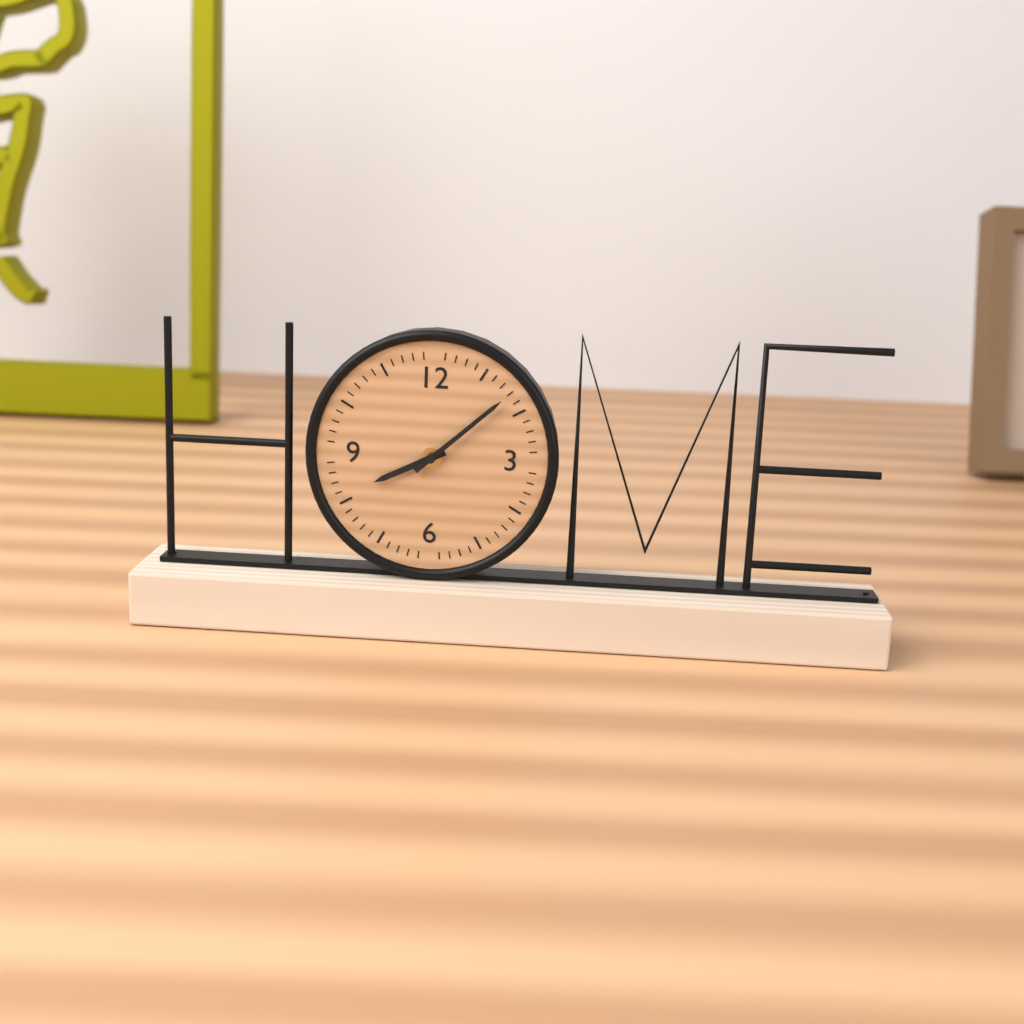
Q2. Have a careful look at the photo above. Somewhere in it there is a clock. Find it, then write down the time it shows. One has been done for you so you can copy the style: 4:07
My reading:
8:08
